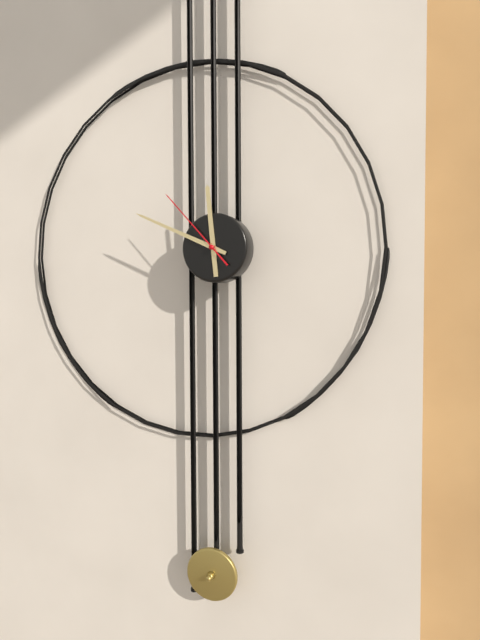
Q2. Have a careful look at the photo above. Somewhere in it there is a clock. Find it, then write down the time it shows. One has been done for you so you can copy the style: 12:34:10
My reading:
11:49:53
